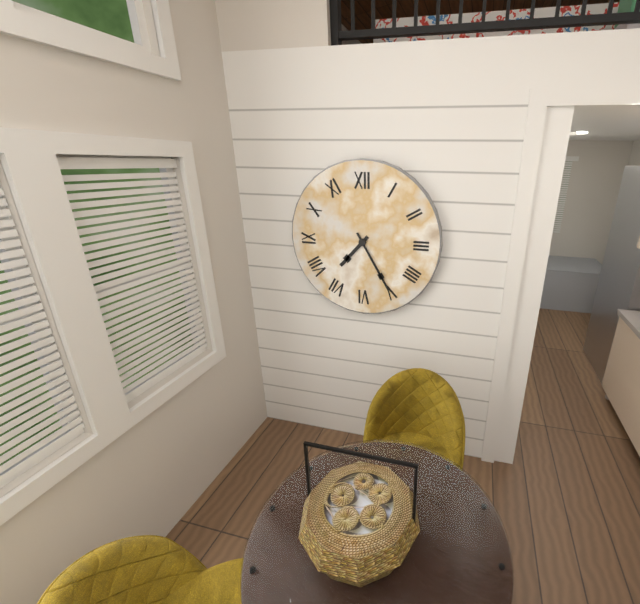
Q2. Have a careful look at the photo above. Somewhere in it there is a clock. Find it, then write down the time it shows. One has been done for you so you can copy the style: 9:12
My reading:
7:25
